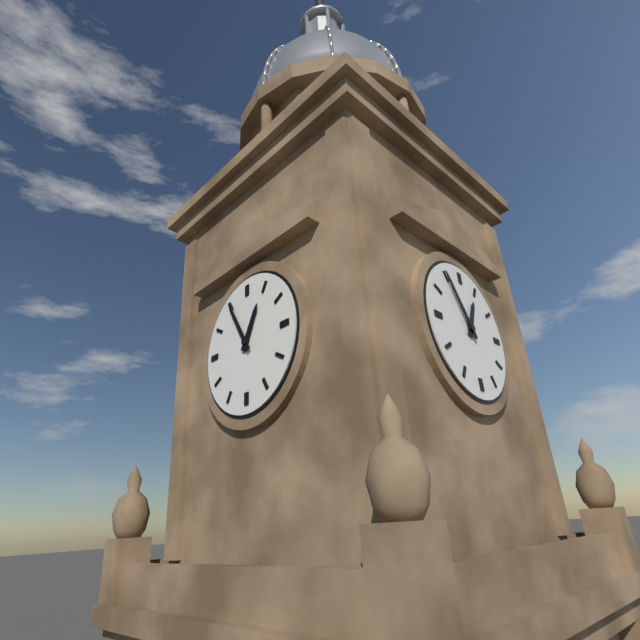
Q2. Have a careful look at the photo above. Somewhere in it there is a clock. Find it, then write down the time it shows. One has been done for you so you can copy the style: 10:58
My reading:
12:55
